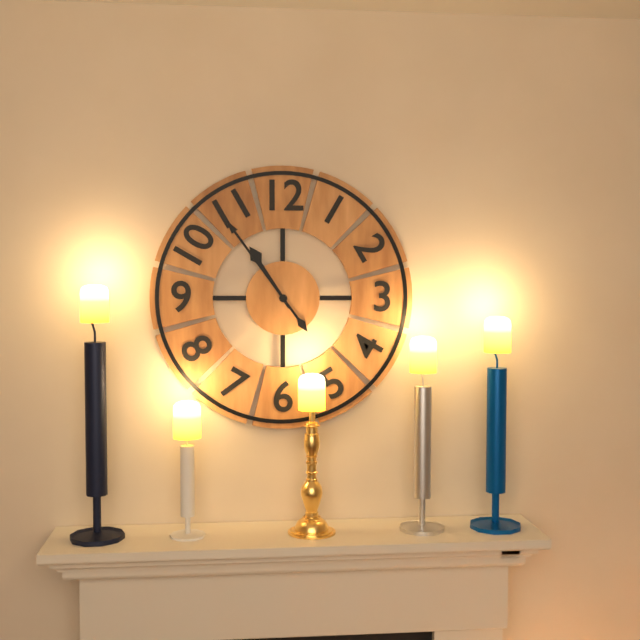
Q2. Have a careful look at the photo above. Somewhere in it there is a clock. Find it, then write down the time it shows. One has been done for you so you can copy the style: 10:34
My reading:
10:54
